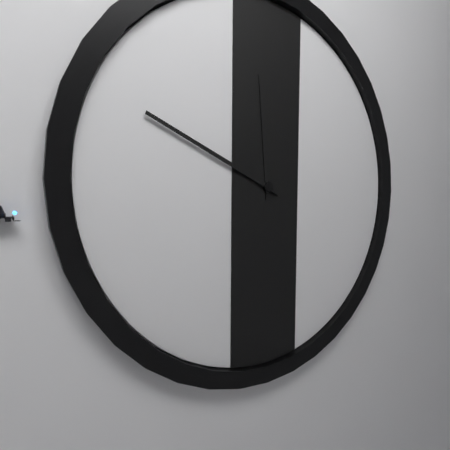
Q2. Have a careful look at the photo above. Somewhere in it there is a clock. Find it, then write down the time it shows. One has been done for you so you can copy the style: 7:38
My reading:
11:49
